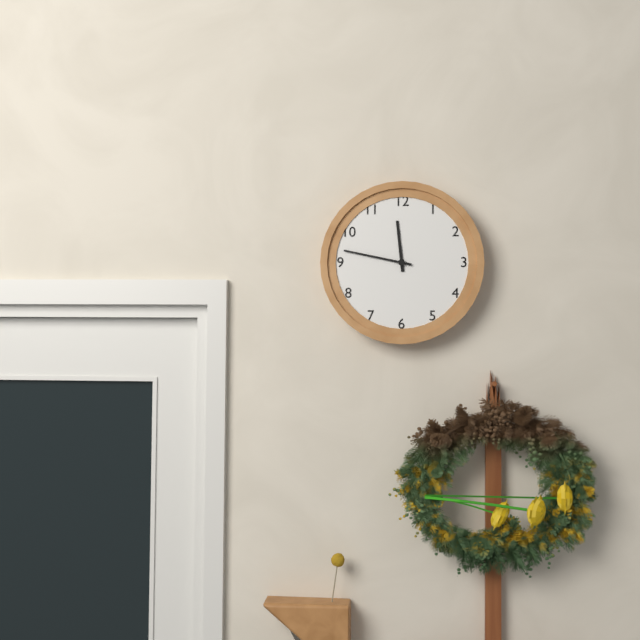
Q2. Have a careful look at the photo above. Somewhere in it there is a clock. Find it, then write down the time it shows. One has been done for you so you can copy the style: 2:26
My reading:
11:47
